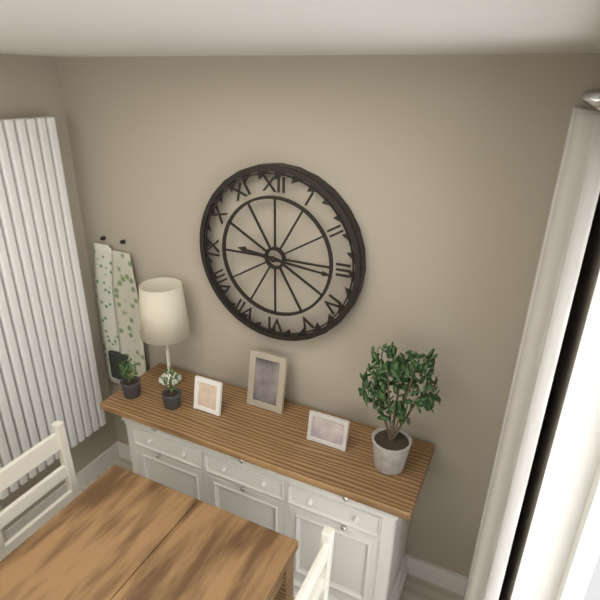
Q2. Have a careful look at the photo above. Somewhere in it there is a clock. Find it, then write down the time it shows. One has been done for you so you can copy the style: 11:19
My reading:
9:16
